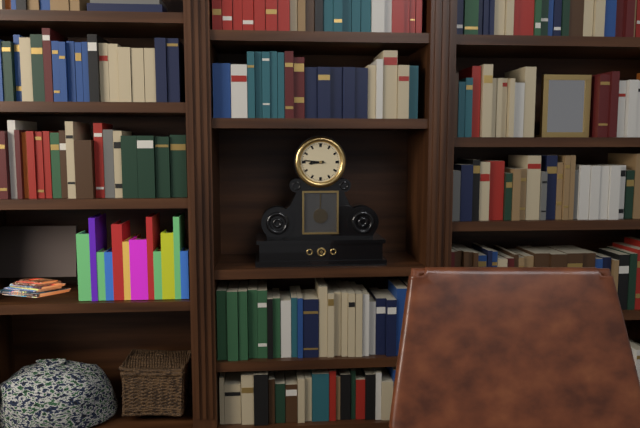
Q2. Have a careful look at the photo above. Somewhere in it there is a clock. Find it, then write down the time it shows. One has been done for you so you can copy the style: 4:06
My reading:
8:46
